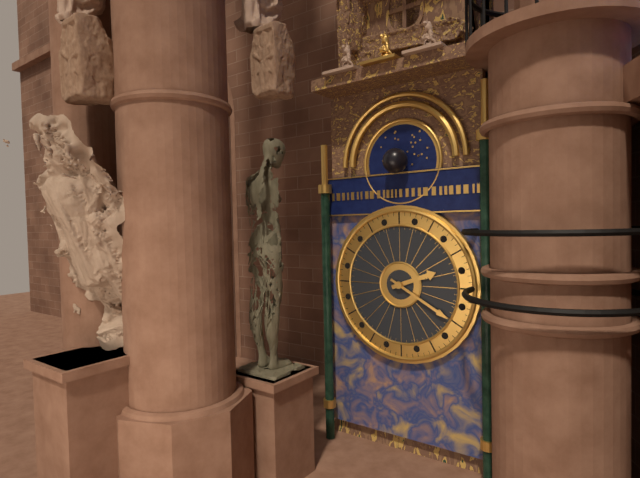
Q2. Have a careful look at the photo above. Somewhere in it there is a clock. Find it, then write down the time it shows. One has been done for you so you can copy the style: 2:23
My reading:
2:20
